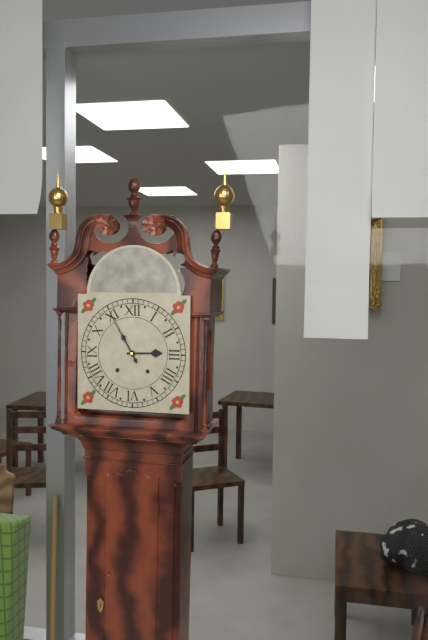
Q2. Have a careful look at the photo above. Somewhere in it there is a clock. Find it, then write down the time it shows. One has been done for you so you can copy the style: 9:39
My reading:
2:55
